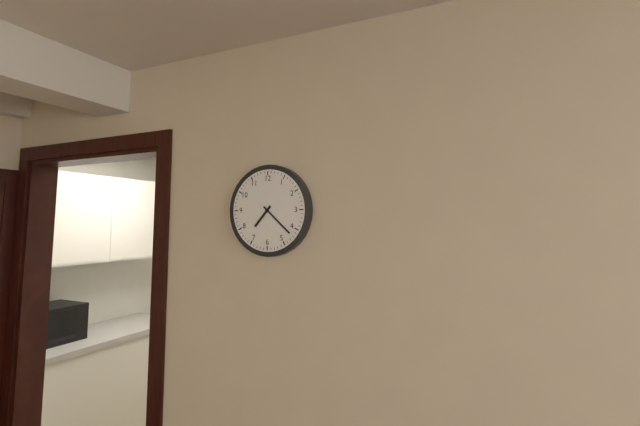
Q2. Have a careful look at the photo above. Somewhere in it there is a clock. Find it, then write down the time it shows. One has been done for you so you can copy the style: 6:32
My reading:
7:22
